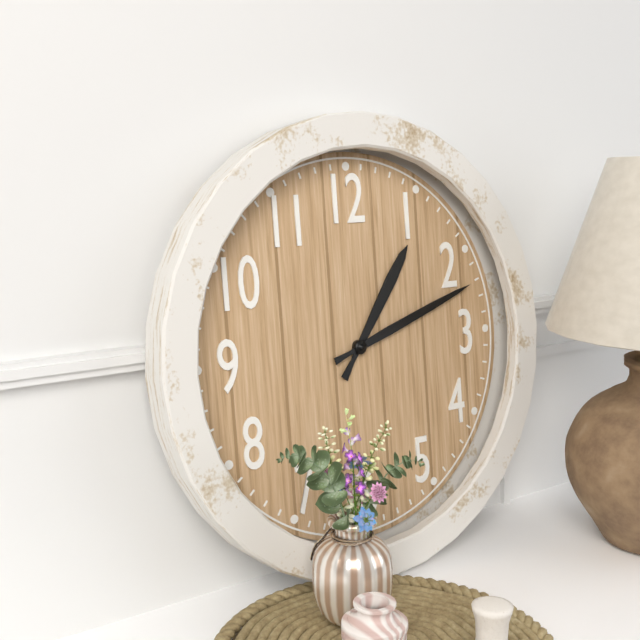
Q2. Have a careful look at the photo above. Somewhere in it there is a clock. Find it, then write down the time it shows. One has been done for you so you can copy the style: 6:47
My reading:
1:12
